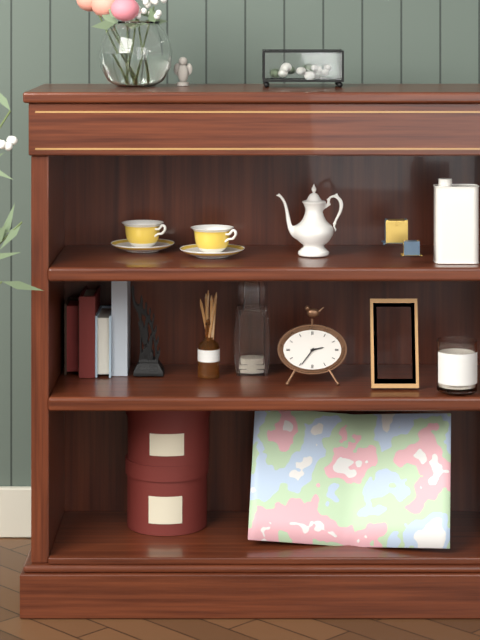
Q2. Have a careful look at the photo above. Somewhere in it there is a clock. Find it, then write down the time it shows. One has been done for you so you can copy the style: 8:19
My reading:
2:36
